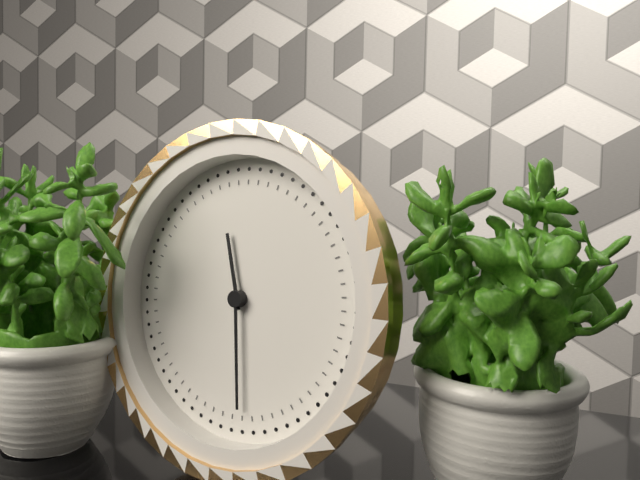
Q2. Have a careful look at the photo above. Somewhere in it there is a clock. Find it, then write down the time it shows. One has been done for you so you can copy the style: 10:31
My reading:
11:29
